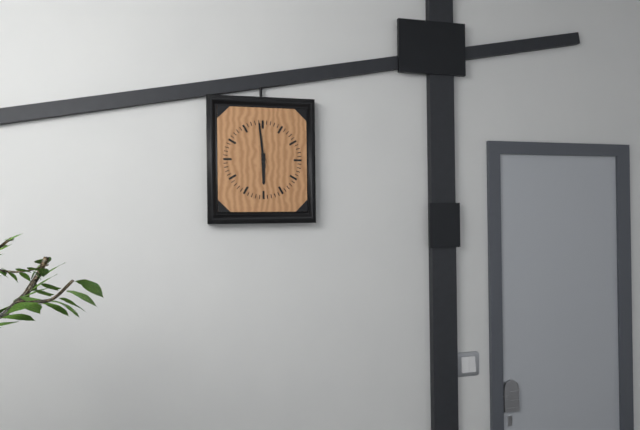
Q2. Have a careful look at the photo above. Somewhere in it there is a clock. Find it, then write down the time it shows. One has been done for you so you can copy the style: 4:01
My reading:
5:59
